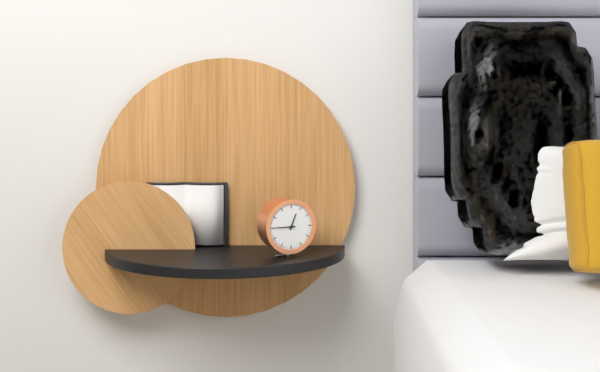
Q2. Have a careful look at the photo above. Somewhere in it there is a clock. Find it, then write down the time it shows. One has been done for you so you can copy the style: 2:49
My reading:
12:45
